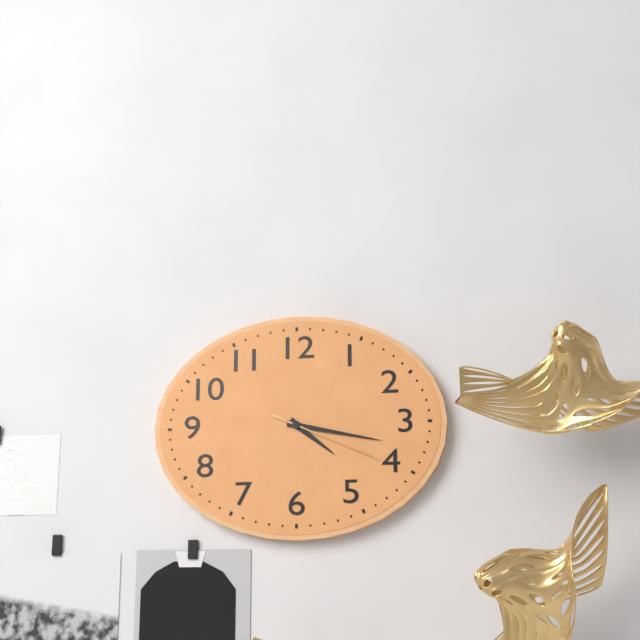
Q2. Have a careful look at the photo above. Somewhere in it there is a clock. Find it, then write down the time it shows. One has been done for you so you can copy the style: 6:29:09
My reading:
4:17:19
